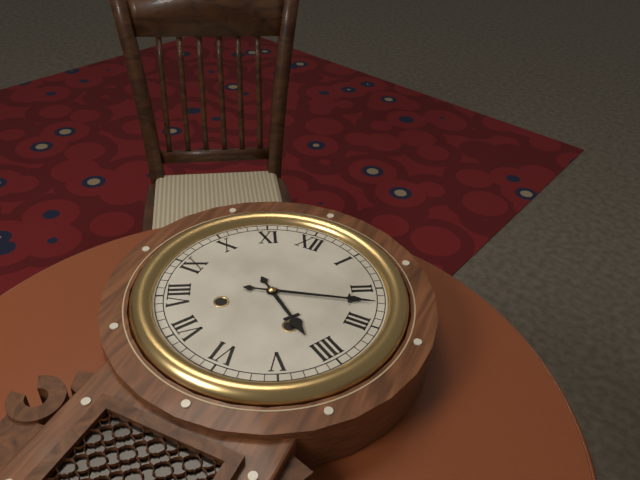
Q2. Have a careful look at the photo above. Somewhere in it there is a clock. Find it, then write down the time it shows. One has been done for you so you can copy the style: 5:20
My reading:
4:12
